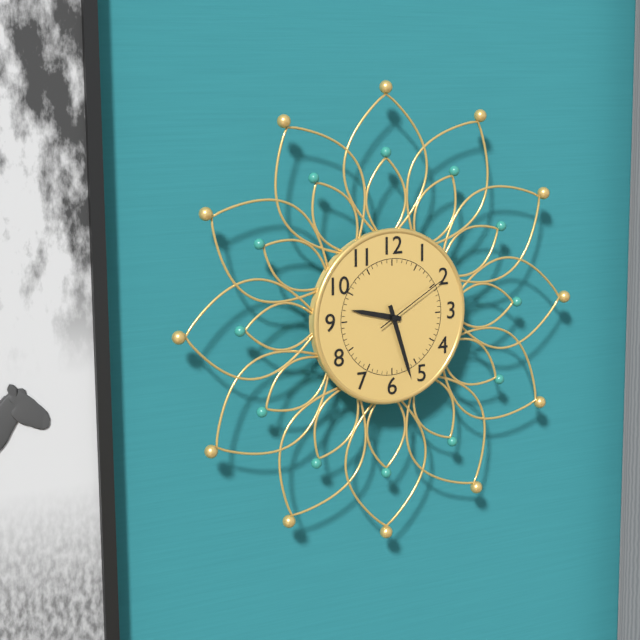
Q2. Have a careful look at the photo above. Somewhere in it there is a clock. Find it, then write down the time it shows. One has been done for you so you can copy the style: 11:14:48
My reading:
9:27:10
